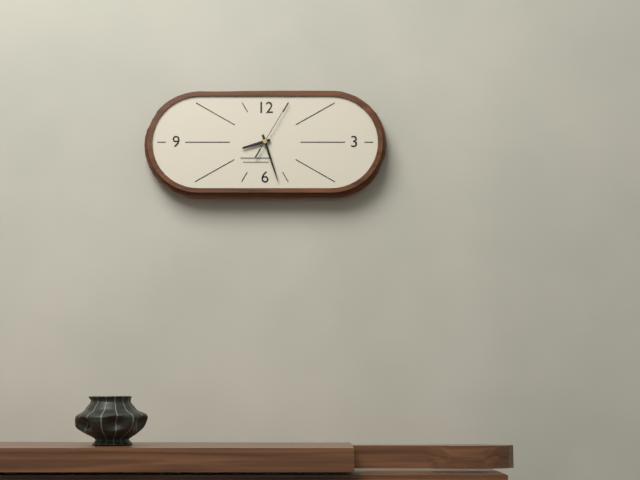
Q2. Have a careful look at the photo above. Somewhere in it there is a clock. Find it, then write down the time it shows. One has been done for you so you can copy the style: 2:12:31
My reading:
8:27:05
